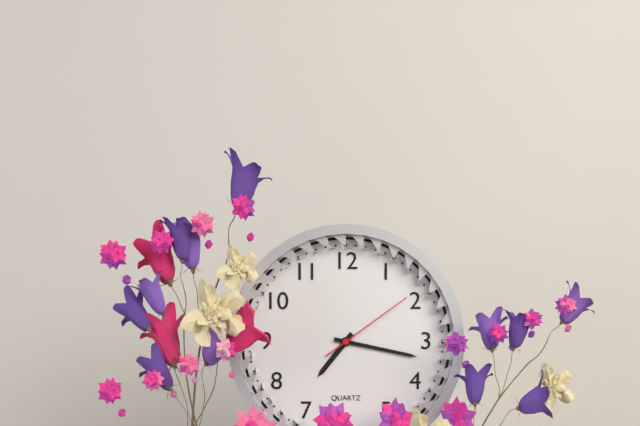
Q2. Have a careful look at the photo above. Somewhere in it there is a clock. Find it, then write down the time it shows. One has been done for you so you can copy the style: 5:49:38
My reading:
7:17:09
